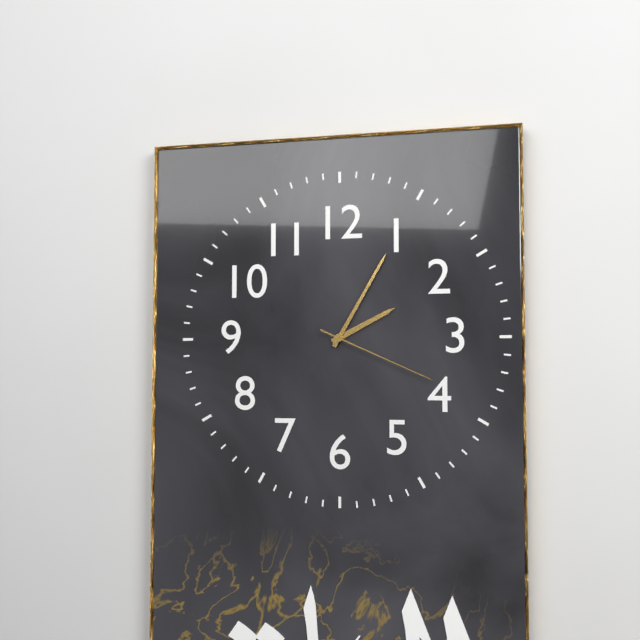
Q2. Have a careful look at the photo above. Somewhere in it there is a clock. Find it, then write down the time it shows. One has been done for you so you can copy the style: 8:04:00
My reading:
2:05:19
